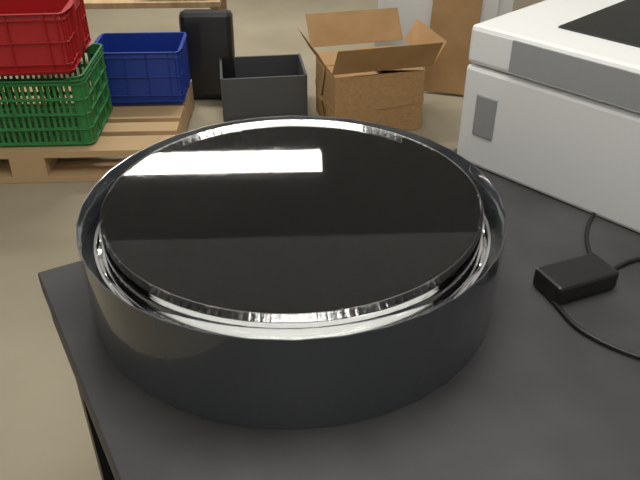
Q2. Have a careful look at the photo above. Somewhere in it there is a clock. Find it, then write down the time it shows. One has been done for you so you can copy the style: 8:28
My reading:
9:03
